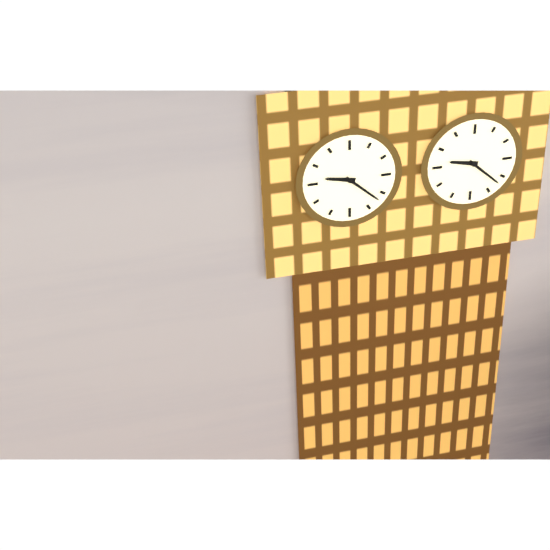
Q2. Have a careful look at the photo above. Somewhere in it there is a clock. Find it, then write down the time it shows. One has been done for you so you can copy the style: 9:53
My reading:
9:22
